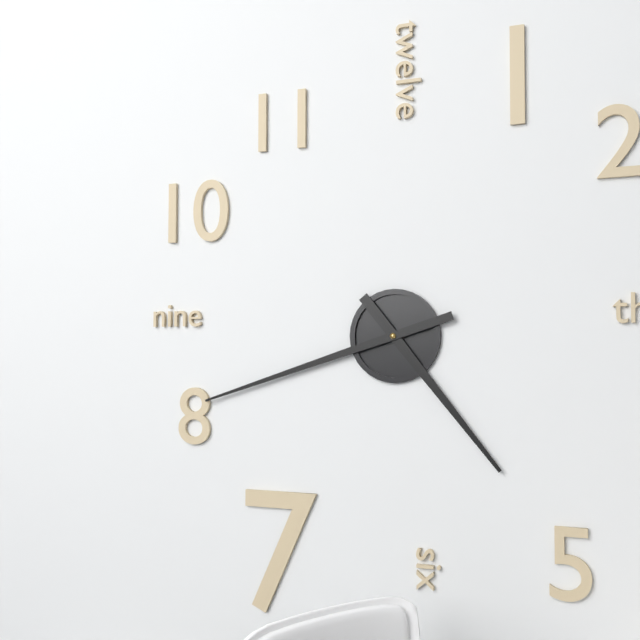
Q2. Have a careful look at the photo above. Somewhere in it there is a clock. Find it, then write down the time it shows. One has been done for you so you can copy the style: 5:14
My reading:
4:42
